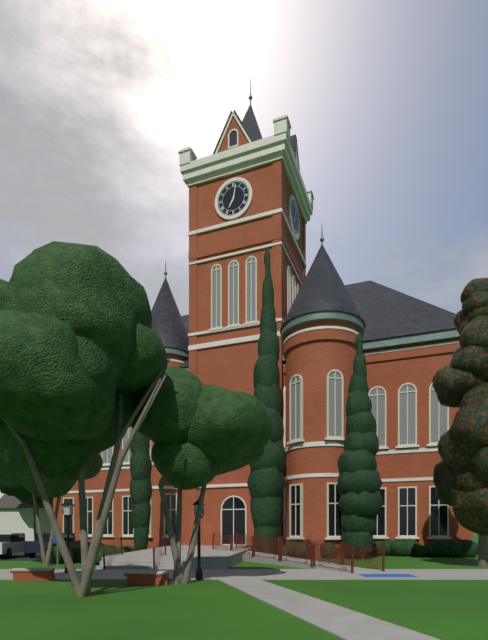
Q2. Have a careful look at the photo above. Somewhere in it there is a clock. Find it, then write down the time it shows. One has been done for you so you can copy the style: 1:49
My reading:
7:02
